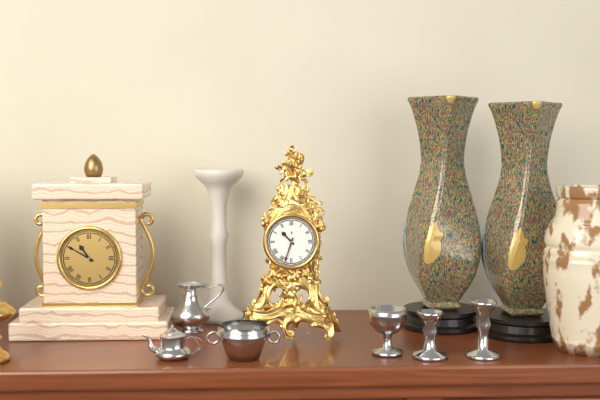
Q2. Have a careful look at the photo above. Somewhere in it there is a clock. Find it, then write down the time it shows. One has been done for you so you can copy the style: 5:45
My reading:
10:33
